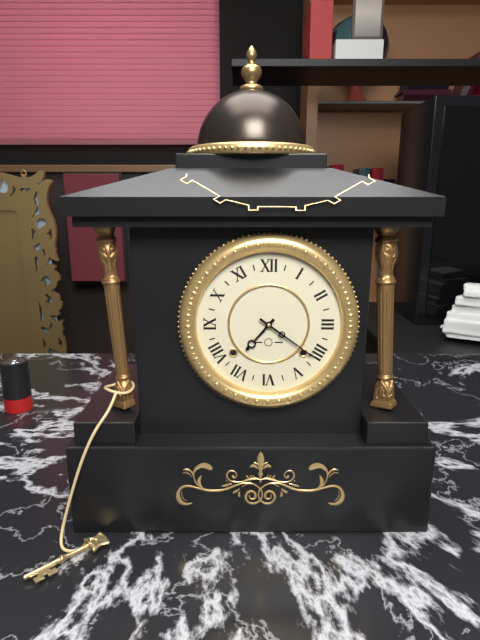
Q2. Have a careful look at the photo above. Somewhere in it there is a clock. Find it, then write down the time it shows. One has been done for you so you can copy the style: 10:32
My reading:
7:21
